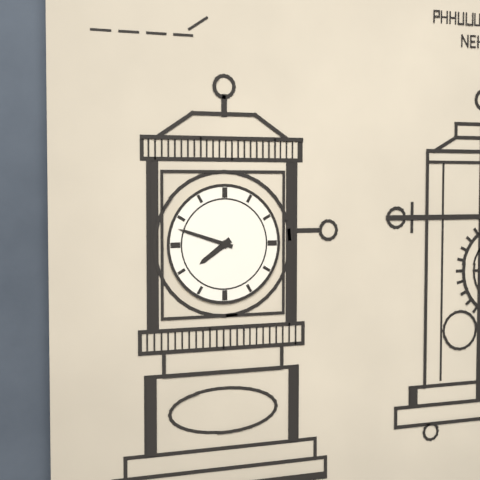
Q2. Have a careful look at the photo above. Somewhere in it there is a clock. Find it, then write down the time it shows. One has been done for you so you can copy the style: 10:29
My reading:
7:48
